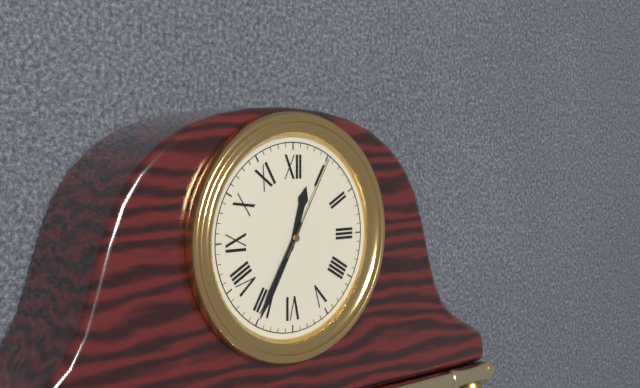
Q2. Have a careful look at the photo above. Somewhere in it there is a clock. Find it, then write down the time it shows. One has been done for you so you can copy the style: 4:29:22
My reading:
12:35:05
